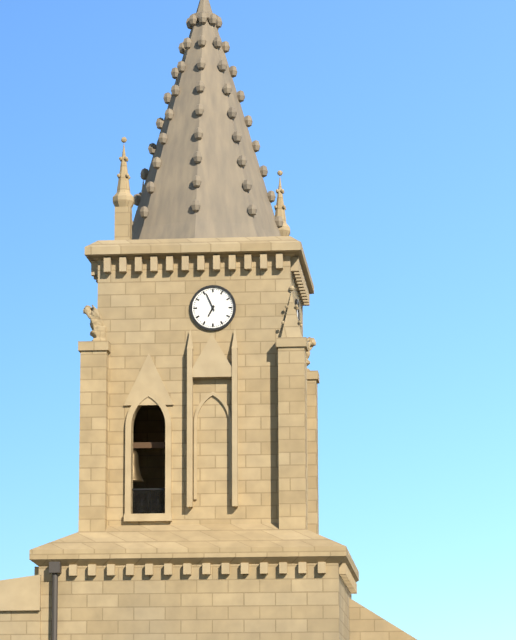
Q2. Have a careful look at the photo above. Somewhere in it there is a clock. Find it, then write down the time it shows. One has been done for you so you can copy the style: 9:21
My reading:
6:56
